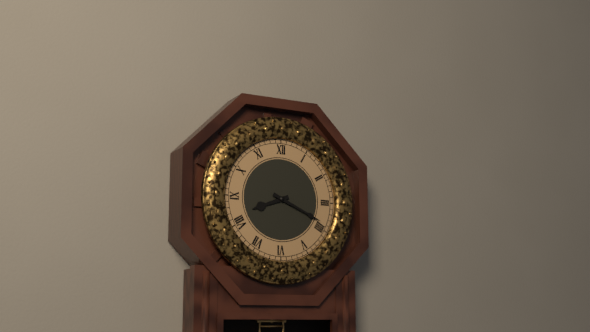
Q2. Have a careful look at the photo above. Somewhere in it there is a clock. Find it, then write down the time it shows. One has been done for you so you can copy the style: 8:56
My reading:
8:19
